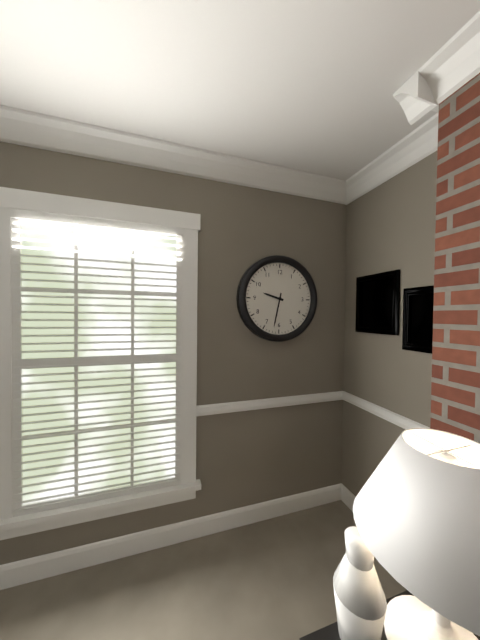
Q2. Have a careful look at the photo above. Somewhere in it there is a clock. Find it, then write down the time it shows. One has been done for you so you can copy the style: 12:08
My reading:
9:32
